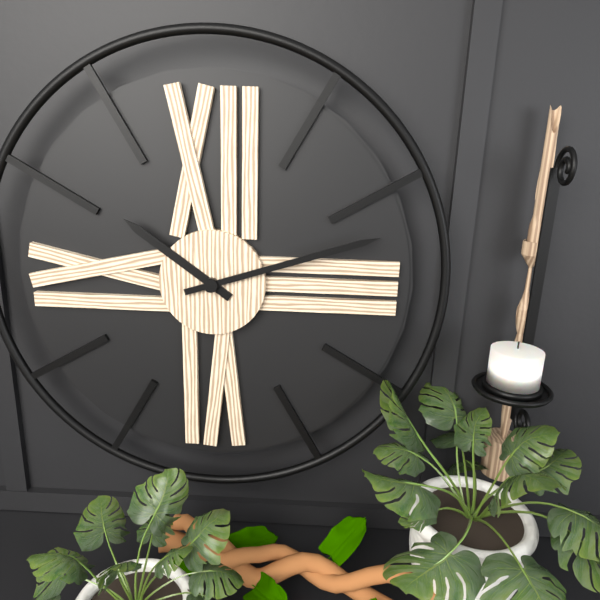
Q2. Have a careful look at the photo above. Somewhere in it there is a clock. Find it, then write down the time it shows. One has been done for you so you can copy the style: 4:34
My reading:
10:12
